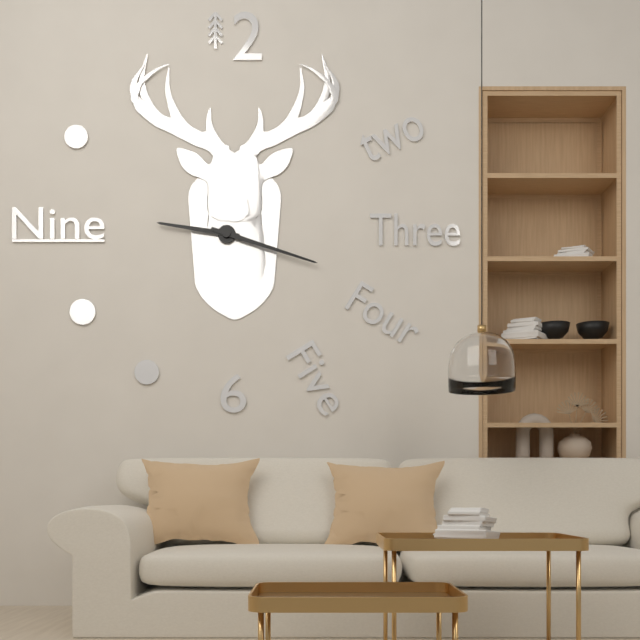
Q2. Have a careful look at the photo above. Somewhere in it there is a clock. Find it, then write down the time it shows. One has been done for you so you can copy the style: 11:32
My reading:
9:18
